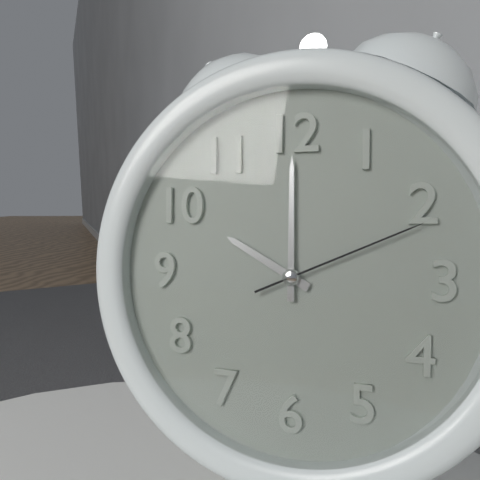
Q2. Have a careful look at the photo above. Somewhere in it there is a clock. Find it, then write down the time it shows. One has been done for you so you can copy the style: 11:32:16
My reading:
10:00:11
